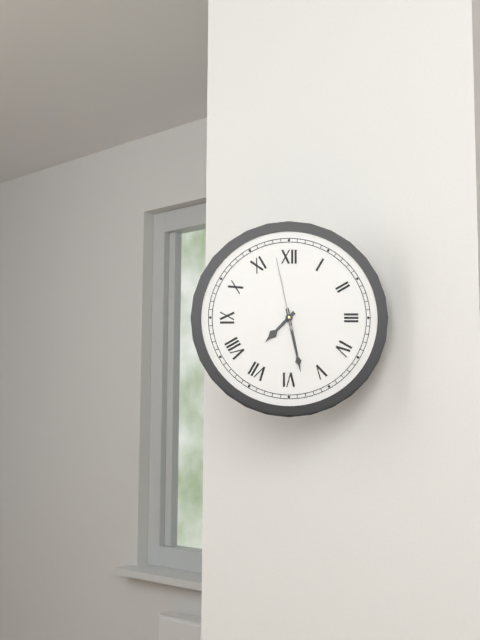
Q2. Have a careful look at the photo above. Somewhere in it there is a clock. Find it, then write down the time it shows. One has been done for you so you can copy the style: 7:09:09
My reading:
7:28:58
